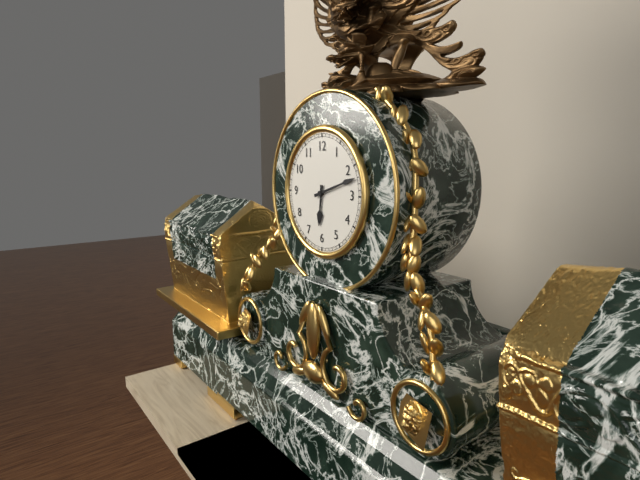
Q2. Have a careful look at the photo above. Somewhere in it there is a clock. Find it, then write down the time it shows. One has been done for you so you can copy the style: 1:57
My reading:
6:12
